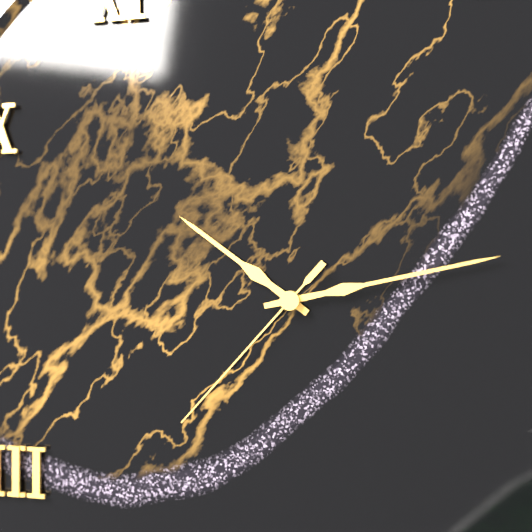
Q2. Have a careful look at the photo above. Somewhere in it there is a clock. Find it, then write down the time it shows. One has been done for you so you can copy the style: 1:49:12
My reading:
10:13:37
